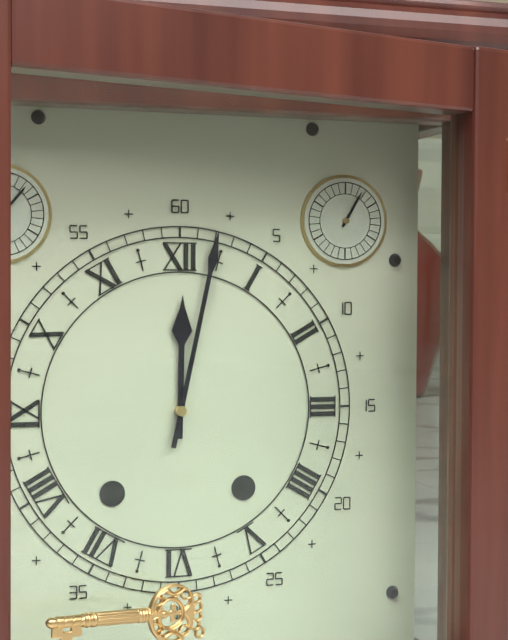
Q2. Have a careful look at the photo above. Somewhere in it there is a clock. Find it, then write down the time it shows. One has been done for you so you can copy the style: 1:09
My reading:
12:02
